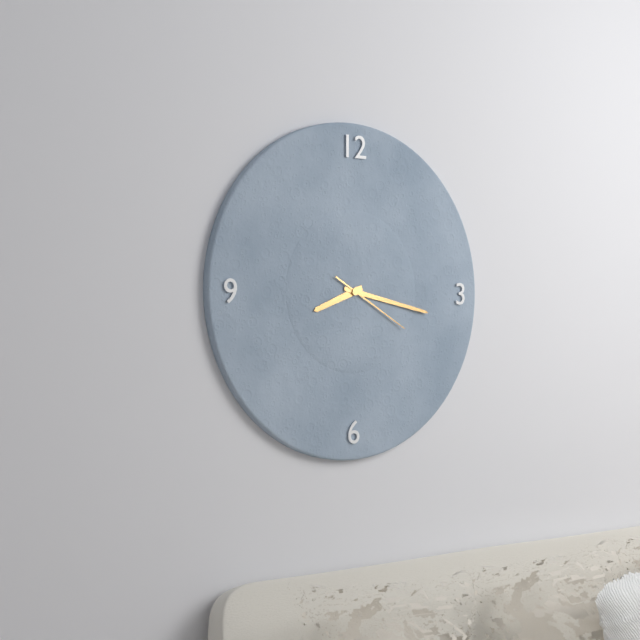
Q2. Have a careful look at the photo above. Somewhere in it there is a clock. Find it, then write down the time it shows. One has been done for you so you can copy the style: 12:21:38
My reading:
8:17:20
